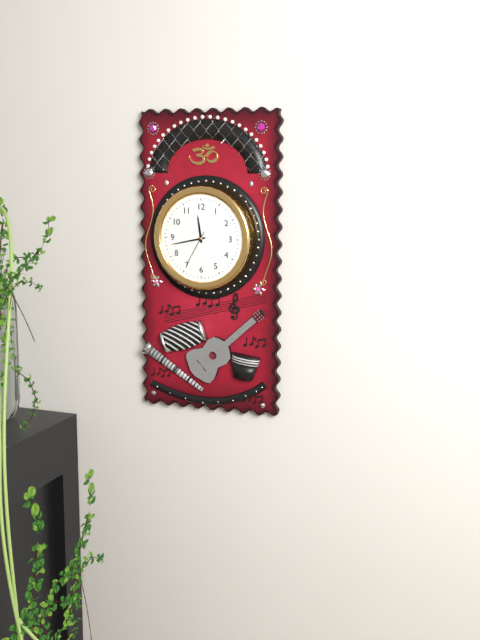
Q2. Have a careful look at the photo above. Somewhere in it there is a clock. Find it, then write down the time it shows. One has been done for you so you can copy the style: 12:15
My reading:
11:43
